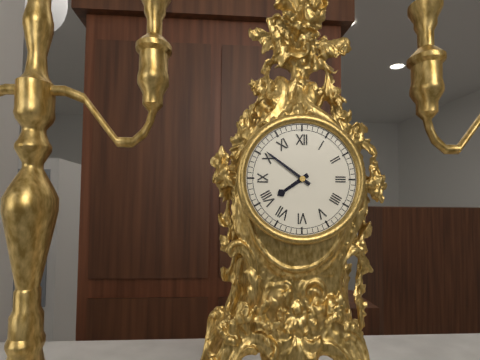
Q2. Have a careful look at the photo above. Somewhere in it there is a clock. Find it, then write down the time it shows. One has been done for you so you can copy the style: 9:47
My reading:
7:51
